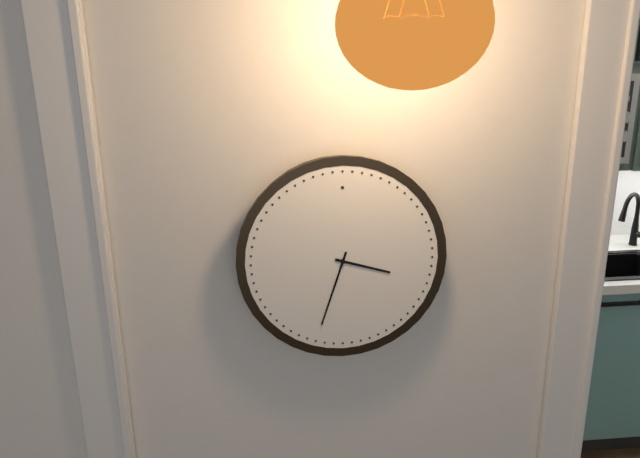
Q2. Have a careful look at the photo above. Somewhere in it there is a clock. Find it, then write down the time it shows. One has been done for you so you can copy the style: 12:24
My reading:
3:33
